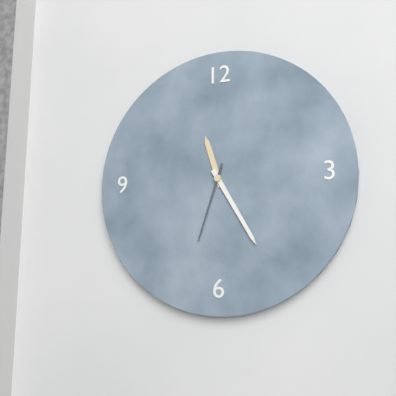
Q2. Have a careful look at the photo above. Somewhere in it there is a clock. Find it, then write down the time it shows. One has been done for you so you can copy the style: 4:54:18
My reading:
11:25:33
